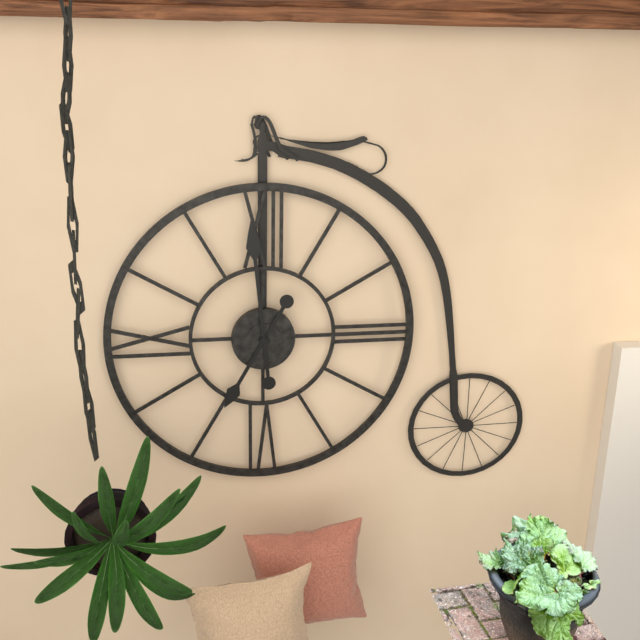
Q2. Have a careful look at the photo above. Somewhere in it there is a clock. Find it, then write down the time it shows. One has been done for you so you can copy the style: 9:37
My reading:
6:59
